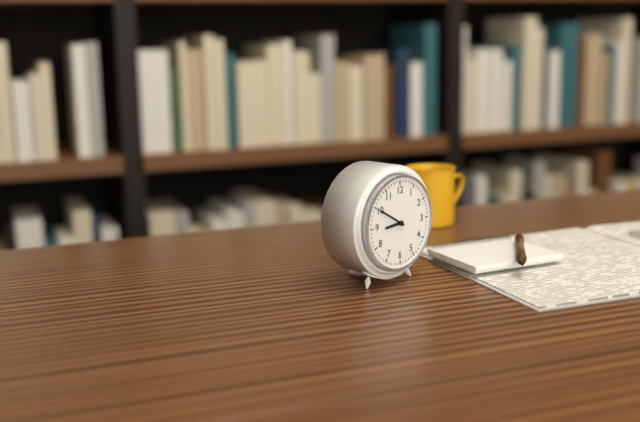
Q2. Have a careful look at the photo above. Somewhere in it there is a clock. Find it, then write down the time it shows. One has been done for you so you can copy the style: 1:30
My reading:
8:50
